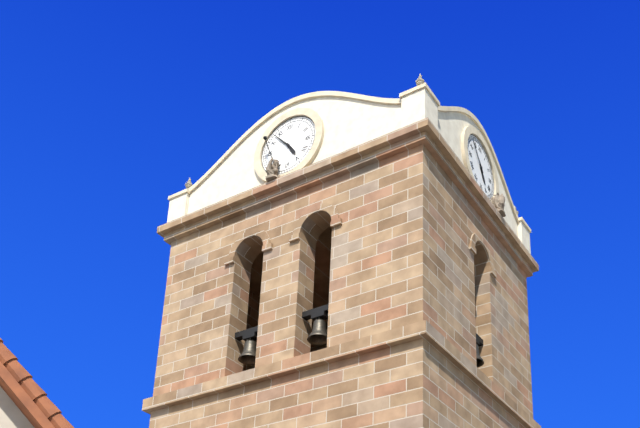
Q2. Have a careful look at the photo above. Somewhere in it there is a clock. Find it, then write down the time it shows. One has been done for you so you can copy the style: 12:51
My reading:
4:53
